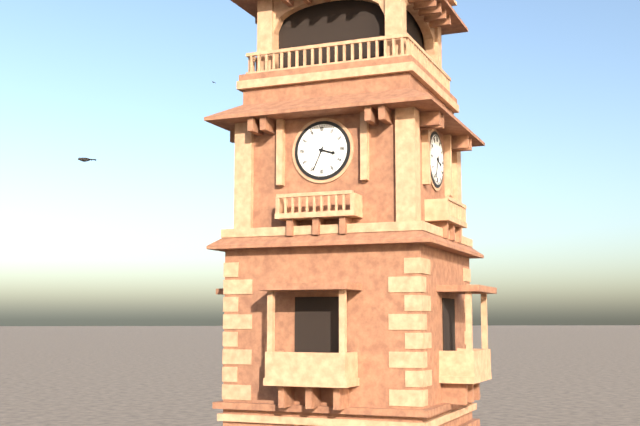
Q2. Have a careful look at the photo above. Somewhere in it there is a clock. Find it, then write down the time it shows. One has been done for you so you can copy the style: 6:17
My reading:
3:34
